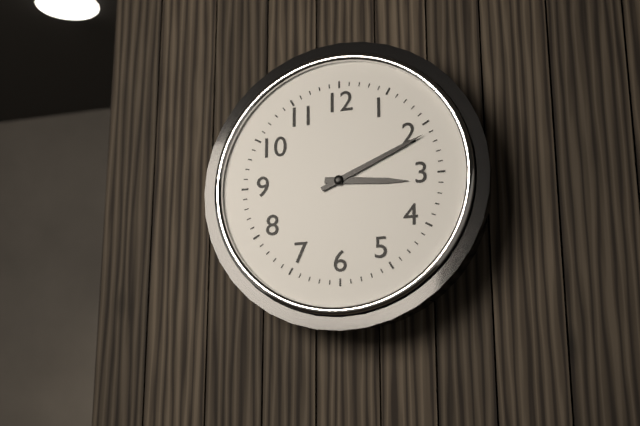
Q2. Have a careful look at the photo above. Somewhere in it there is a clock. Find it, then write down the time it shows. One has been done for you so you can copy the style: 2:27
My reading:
3:11
